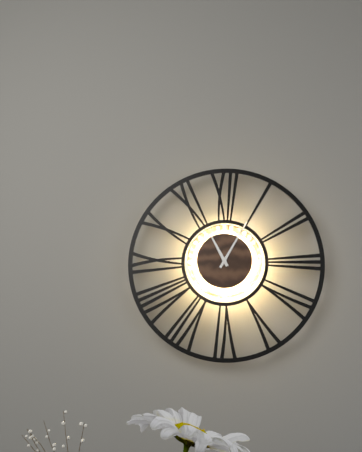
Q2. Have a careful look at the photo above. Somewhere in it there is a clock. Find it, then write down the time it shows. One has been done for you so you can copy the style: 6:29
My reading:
11:05
